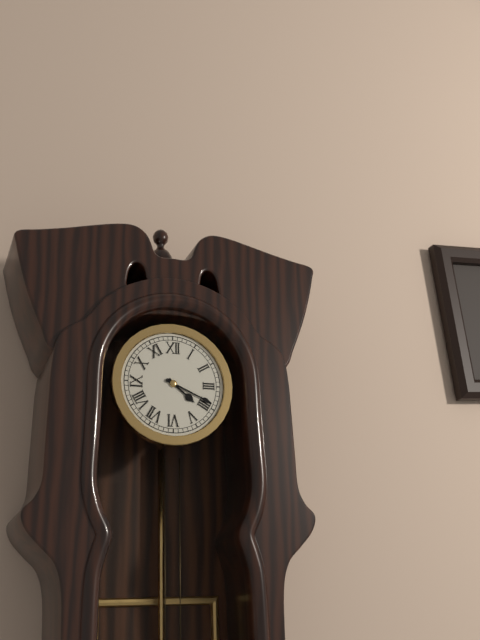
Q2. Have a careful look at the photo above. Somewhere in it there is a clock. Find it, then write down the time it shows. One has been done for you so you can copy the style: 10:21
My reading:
4:19
